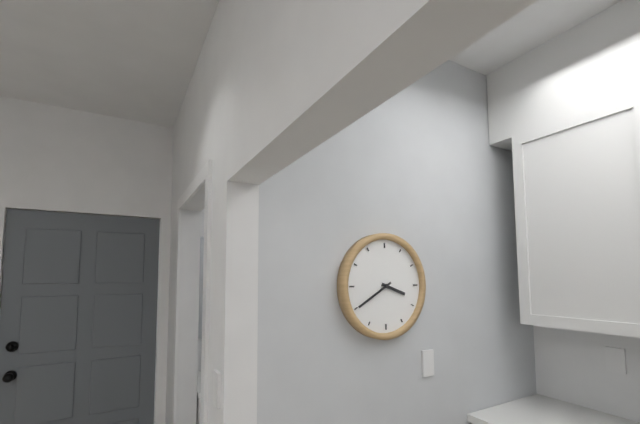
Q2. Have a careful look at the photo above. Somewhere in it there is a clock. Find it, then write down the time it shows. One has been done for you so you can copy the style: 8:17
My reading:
3:40
